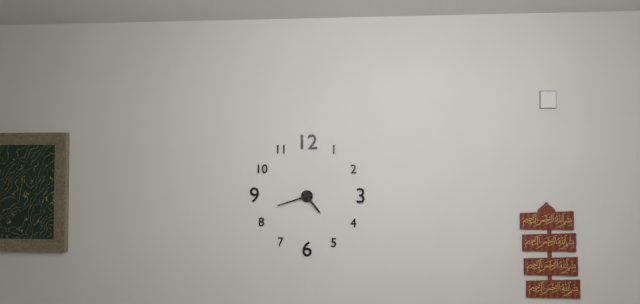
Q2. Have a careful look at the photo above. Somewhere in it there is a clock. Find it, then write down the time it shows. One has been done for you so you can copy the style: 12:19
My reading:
4:42
